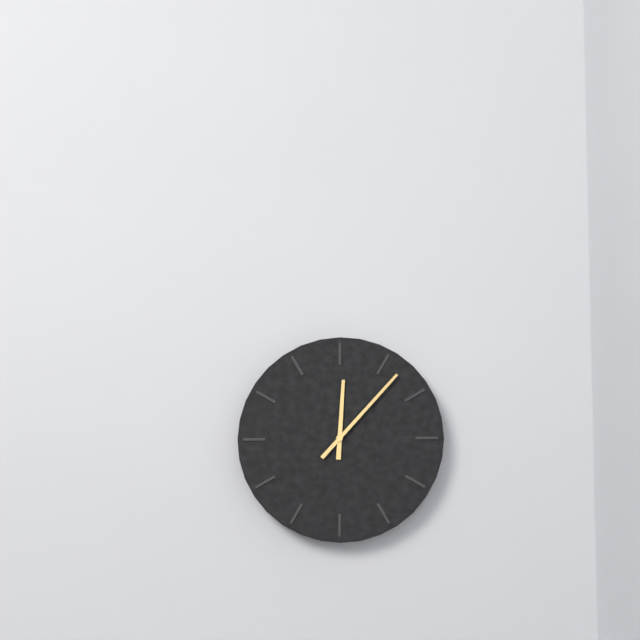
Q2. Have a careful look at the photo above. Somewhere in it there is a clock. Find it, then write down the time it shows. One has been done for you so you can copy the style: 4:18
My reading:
12:07
